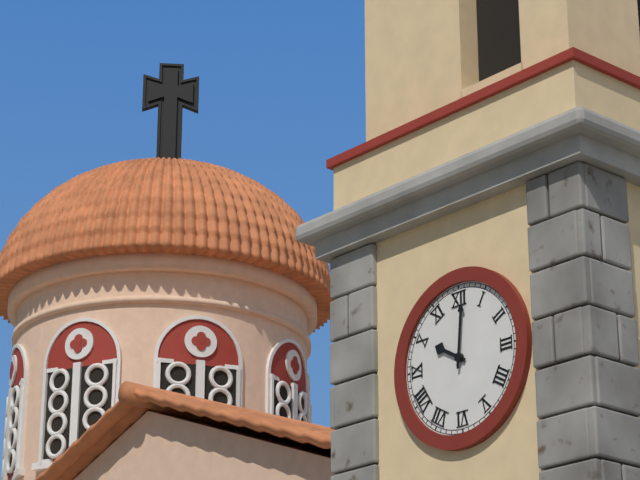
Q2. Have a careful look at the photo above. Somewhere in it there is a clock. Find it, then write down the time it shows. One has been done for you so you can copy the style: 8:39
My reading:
10:01
